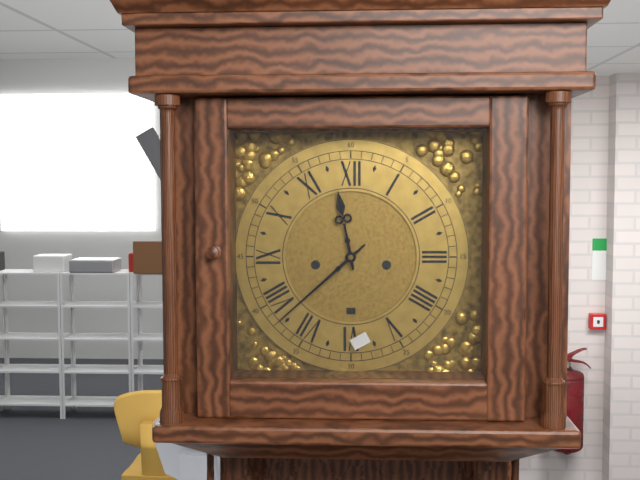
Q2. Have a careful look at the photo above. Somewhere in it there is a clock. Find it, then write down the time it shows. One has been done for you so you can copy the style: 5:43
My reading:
11:38
